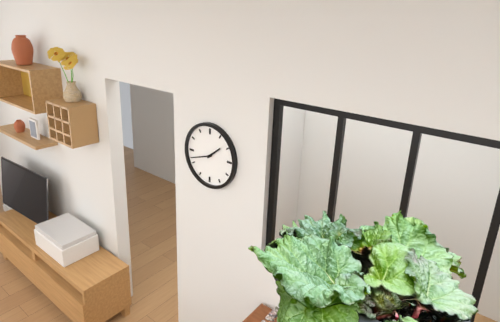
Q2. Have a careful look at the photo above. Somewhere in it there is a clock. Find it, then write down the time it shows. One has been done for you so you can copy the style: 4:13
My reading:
1:42
